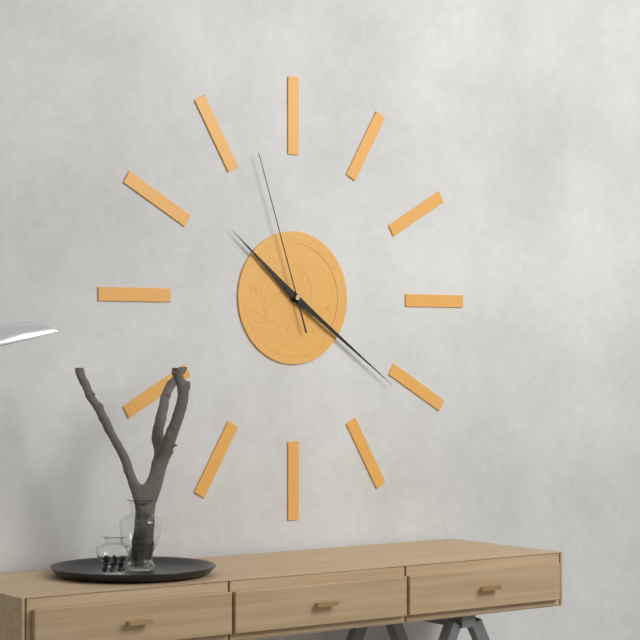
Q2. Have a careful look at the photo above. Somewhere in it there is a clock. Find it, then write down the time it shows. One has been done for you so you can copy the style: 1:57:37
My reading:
10:21:57
